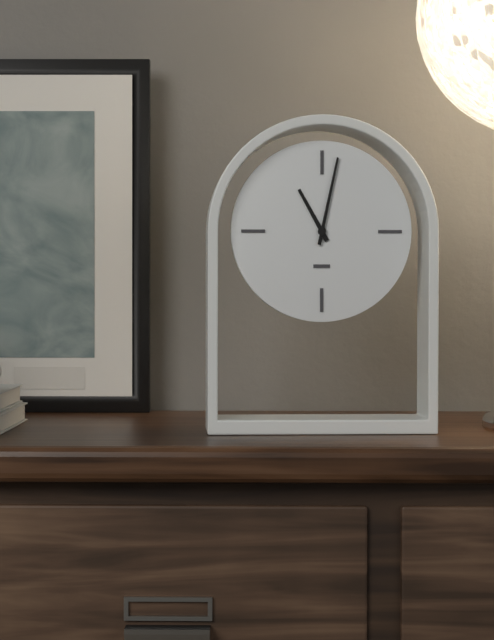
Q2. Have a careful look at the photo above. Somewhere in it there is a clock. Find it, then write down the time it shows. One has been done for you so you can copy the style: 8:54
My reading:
11:02
